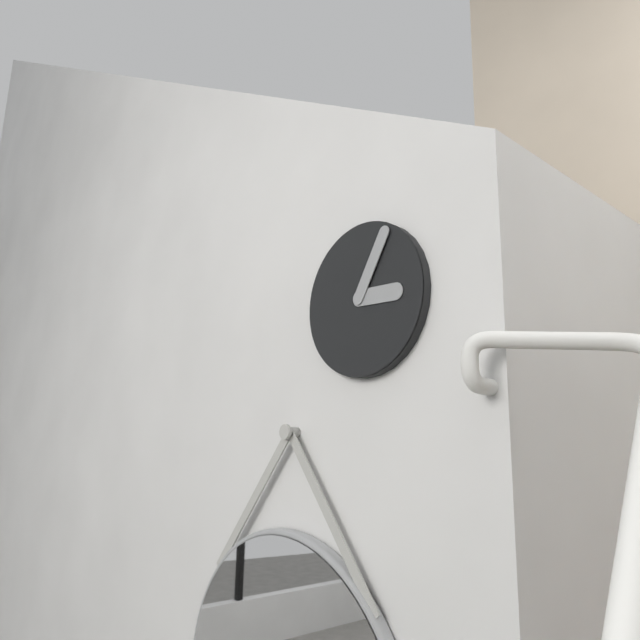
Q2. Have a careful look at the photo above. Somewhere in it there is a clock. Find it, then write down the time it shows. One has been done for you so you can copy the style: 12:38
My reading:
3:05
